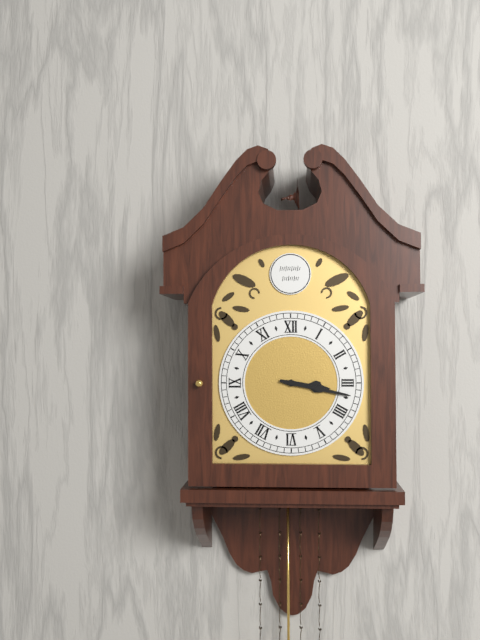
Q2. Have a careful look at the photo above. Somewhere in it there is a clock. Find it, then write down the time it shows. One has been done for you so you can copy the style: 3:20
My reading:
3:17
